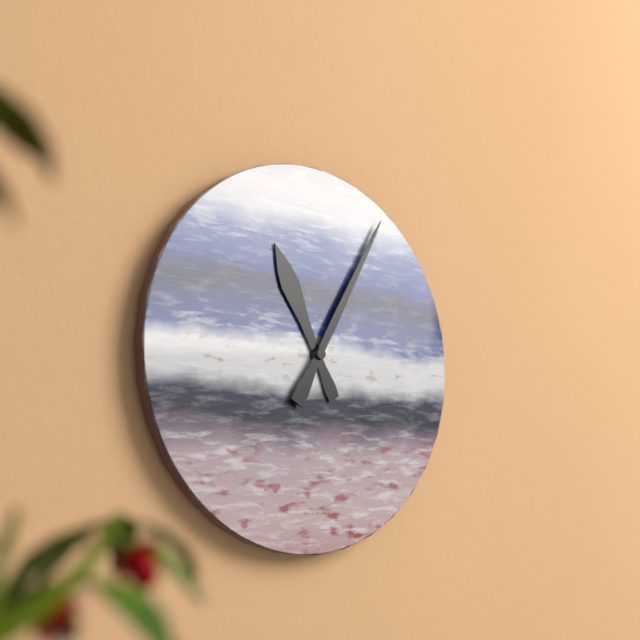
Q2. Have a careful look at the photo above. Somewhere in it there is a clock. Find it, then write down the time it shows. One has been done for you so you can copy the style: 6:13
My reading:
11:05
